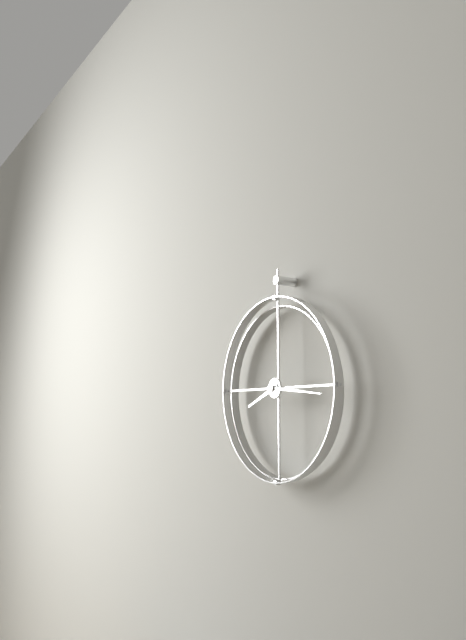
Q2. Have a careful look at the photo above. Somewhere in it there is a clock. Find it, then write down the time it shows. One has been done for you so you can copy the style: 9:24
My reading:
8:16
